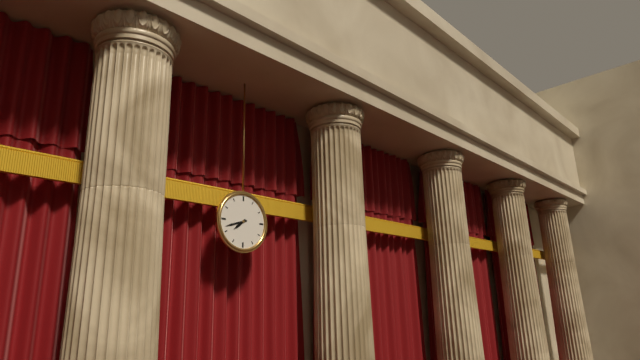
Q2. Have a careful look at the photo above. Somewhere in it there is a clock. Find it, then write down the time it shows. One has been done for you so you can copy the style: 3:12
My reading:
7:42
